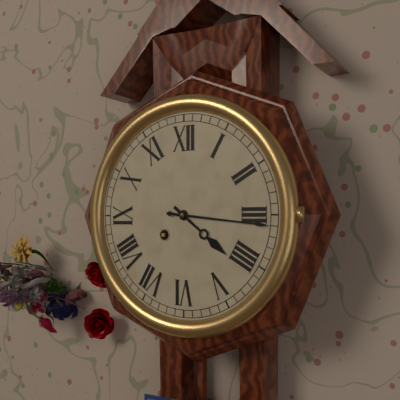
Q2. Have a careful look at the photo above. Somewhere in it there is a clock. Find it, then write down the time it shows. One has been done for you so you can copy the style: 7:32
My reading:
4:16
